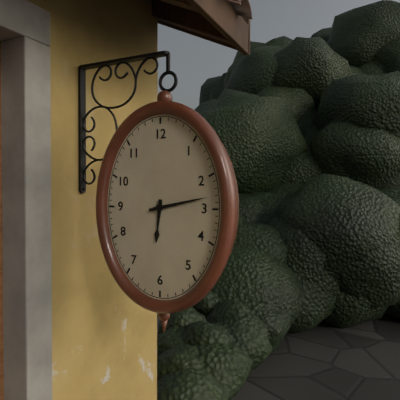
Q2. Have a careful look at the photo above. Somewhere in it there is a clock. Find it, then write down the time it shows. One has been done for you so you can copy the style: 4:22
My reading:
6:13
